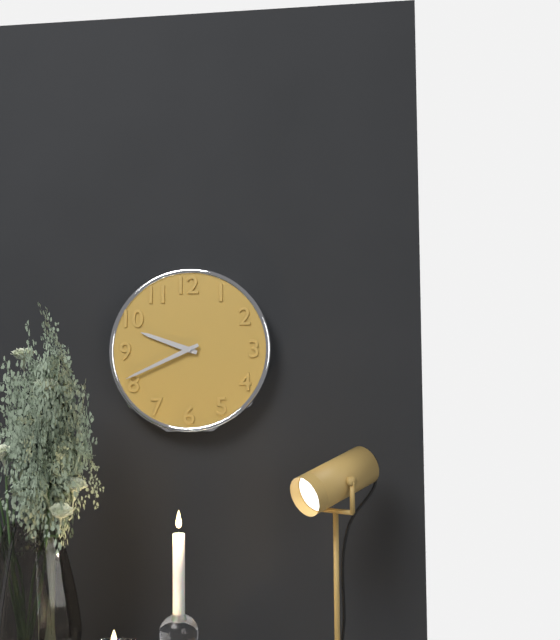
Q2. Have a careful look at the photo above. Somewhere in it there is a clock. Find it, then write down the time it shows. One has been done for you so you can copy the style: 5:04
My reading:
9:41
